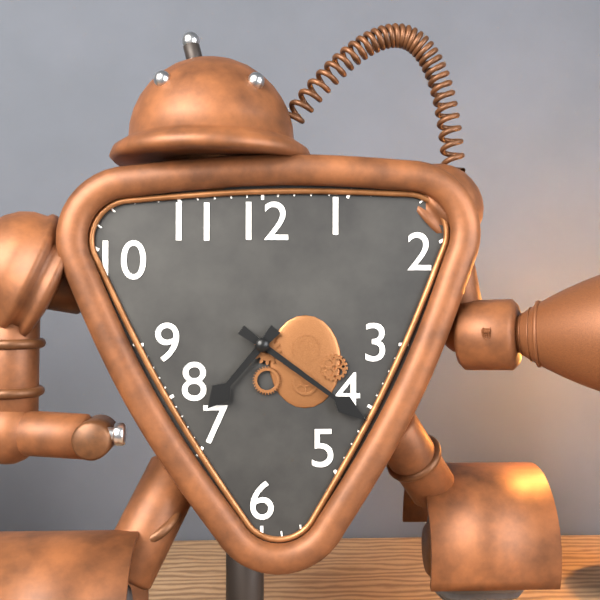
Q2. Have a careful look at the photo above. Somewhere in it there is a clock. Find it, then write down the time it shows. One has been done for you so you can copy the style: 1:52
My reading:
7:21
